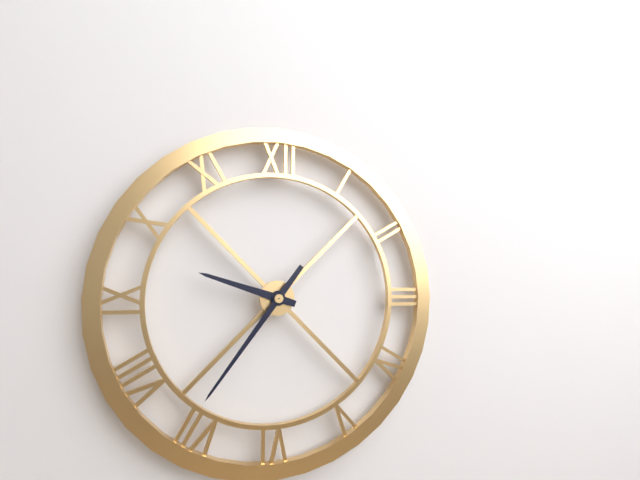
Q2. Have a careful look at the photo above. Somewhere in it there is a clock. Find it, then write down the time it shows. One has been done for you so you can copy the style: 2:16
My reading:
9:36
